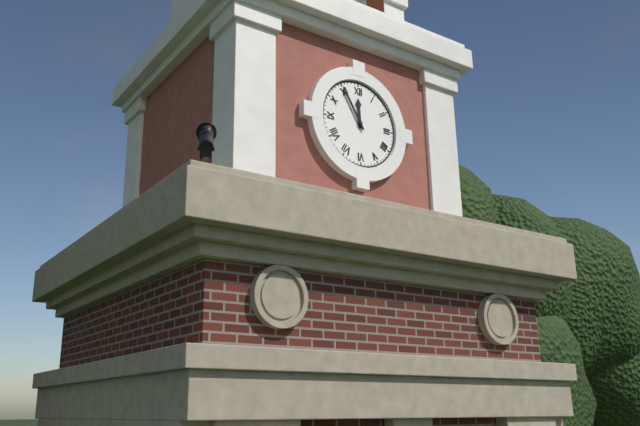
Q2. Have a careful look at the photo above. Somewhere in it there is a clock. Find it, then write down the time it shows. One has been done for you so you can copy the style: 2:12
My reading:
11:55
